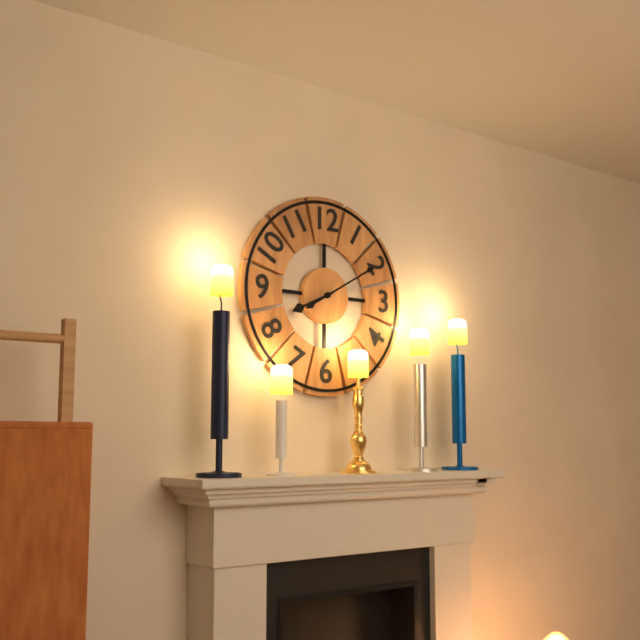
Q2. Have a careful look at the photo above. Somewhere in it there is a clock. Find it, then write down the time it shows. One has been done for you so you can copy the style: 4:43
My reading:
8:10
